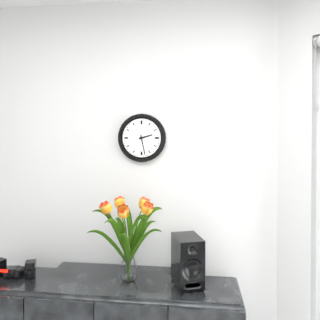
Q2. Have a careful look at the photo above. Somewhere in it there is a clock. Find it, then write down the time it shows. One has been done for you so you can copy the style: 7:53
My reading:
2:28
